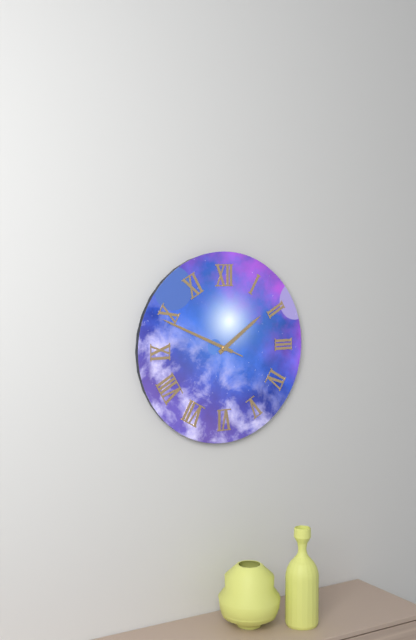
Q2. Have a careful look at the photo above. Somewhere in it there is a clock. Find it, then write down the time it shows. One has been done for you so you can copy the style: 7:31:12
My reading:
1:49:49
